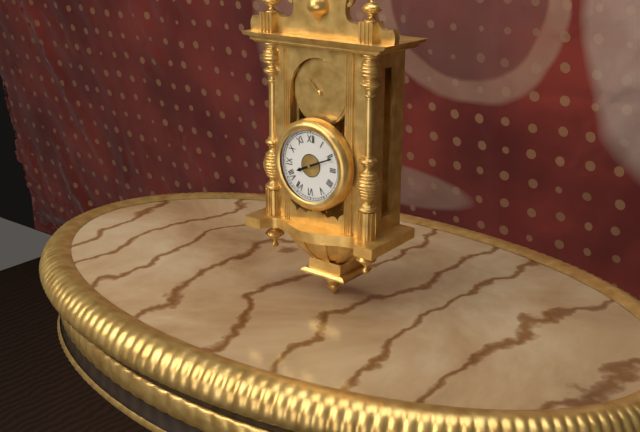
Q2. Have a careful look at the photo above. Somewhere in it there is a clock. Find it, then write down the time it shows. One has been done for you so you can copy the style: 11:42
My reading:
8:11
